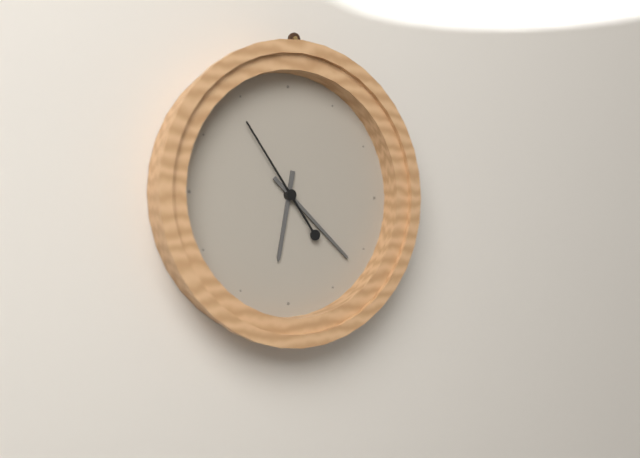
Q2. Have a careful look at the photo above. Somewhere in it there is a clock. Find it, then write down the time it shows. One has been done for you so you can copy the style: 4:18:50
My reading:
6:22:54
